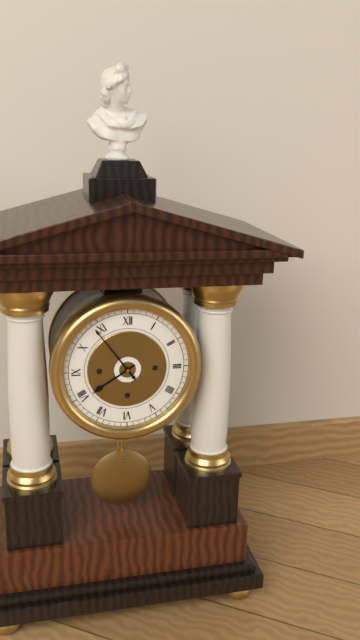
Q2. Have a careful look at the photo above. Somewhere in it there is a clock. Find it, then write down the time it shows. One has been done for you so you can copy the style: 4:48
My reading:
7:54
